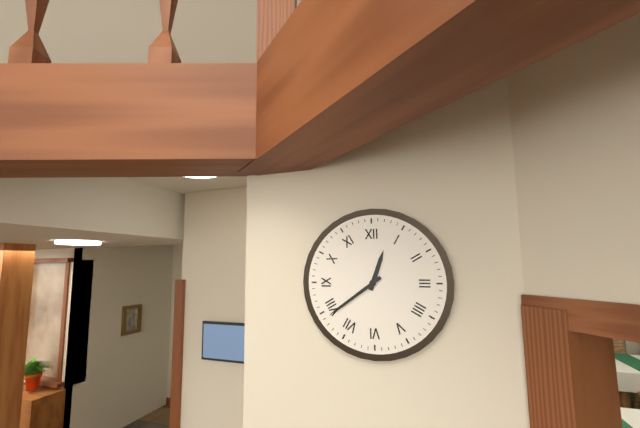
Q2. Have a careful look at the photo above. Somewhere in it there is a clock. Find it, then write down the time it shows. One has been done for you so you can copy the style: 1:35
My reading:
12:39
